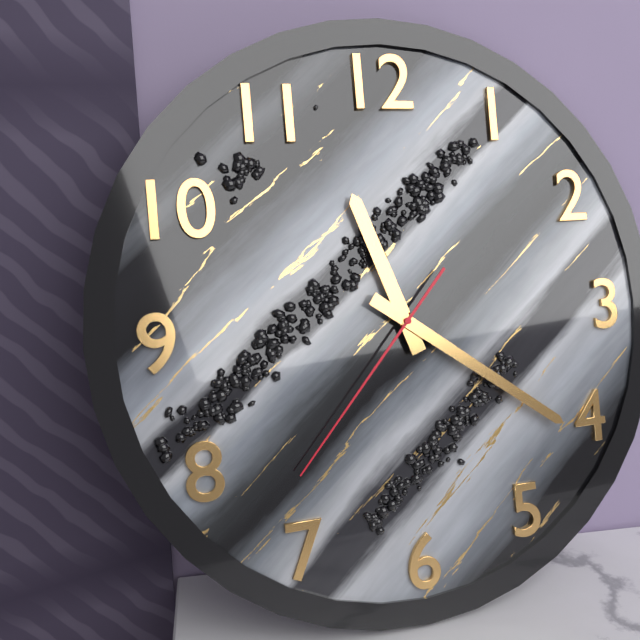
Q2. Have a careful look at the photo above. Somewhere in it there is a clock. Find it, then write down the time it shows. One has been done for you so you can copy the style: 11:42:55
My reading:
11:21:37
